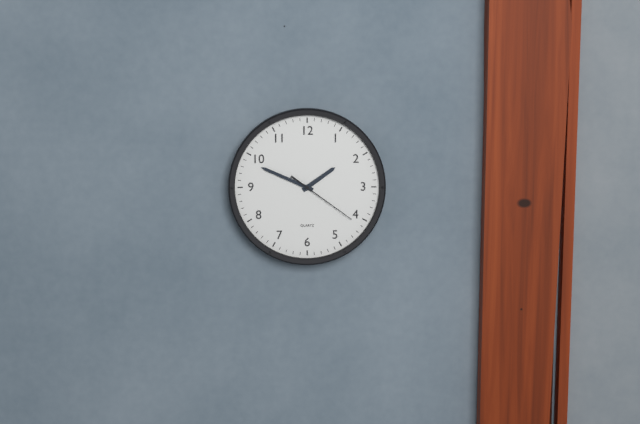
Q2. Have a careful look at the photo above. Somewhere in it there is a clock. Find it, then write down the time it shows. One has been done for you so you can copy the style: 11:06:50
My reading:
1:49:21
